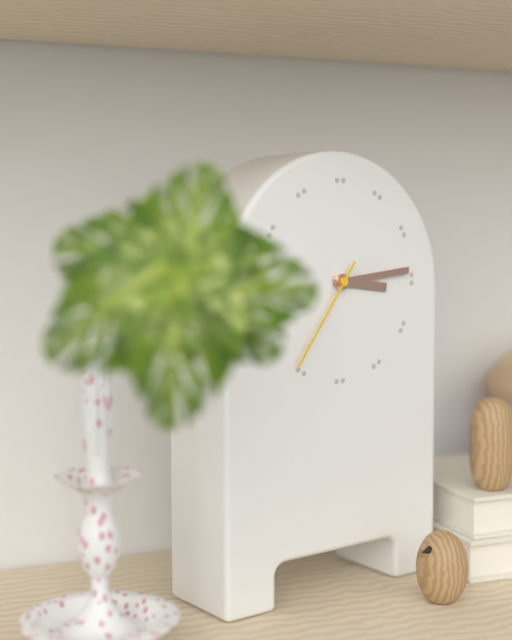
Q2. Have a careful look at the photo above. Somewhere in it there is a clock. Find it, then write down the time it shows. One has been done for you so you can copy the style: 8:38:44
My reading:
3:14:36
